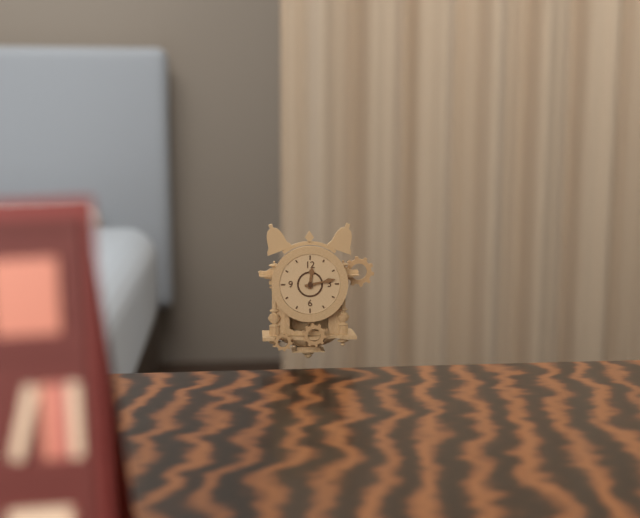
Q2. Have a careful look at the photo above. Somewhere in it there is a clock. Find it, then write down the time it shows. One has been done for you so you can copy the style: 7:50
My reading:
12:13
